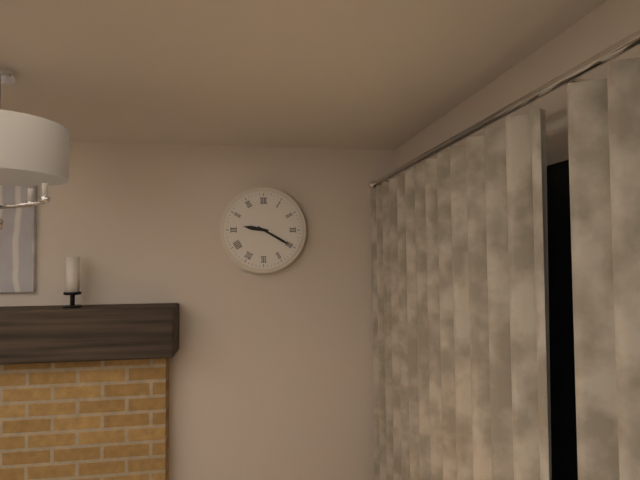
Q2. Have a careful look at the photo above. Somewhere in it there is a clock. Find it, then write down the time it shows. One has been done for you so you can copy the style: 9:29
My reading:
9:20
